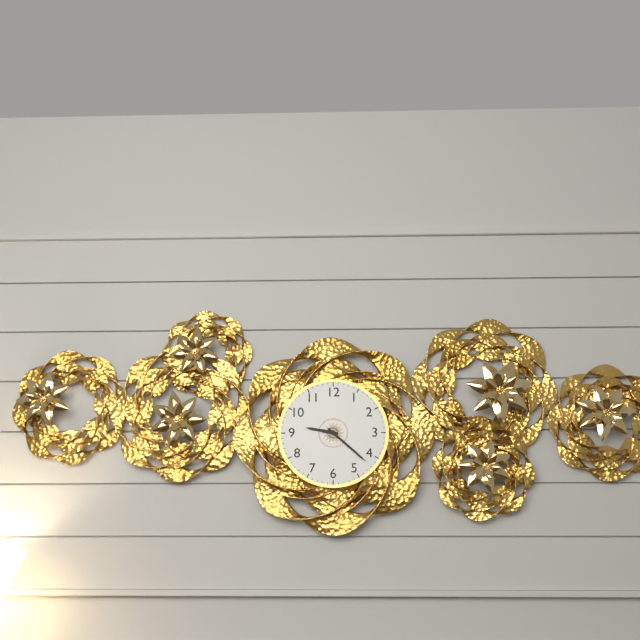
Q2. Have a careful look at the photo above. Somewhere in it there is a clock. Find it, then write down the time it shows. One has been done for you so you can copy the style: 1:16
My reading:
9:22
